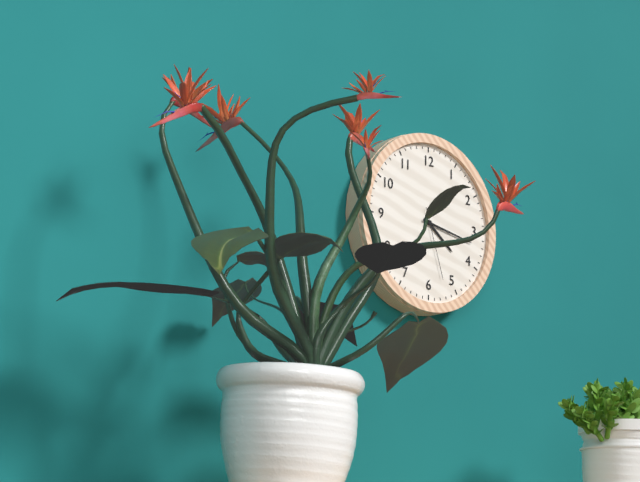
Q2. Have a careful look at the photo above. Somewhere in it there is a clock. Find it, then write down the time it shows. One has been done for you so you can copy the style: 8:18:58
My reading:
4:17:27
